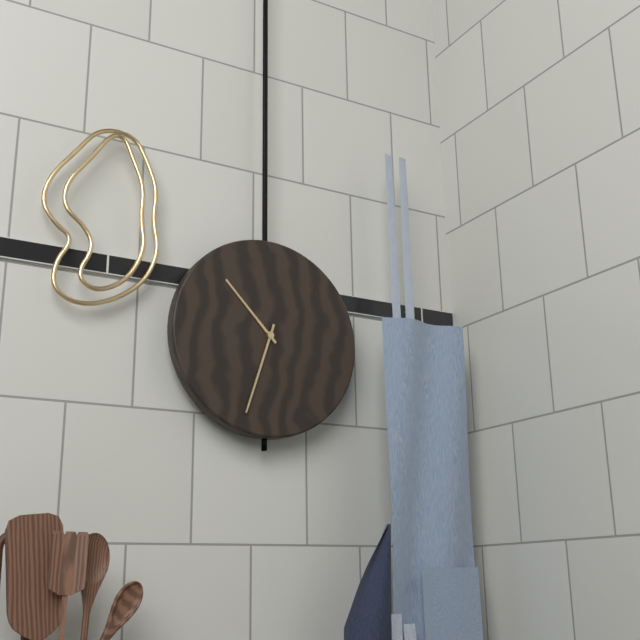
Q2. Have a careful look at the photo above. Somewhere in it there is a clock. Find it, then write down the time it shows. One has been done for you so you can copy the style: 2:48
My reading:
10:33
